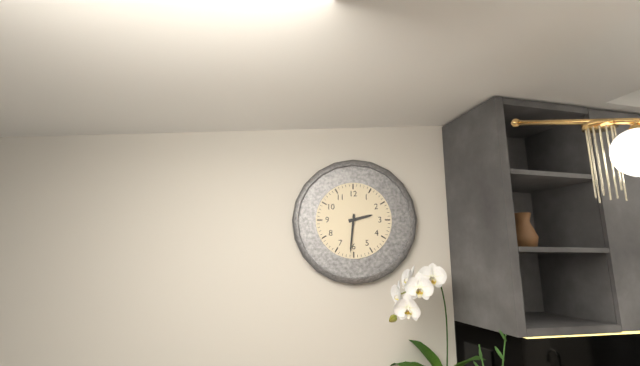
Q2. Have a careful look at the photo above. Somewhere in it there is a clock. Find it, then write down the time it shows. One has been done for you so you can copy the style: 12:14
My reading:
2:31
